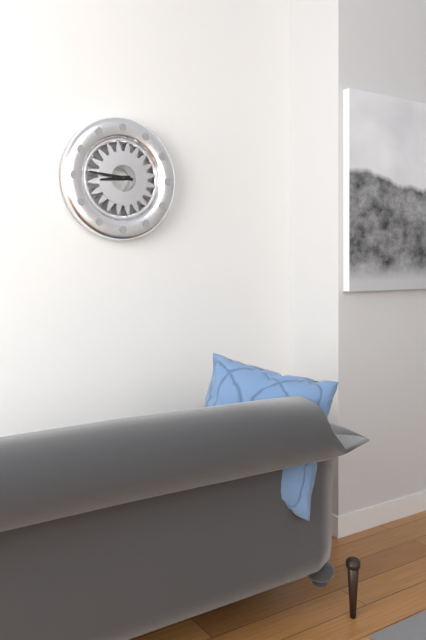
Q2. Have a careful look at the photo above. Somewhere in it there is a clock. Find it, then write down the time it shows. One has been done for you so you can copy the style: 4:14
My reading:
8:46
